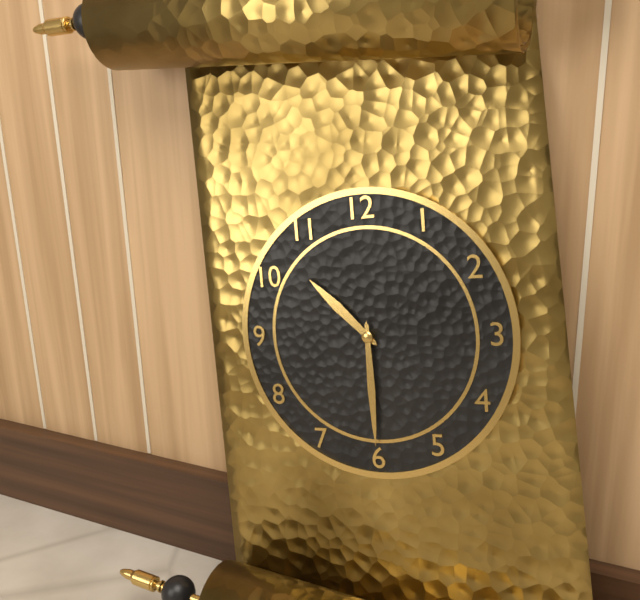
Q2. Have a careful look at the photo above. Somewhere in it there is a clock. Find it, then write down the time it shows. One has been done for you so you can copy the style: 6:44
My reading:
10:30
